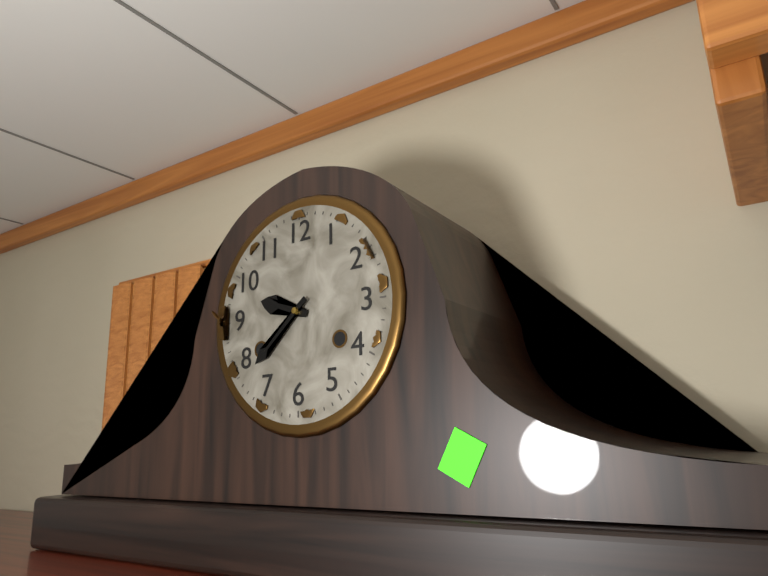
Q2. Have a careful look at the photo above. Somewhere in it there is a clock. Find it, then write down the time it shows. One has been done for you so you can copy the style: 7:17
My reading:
9:38
